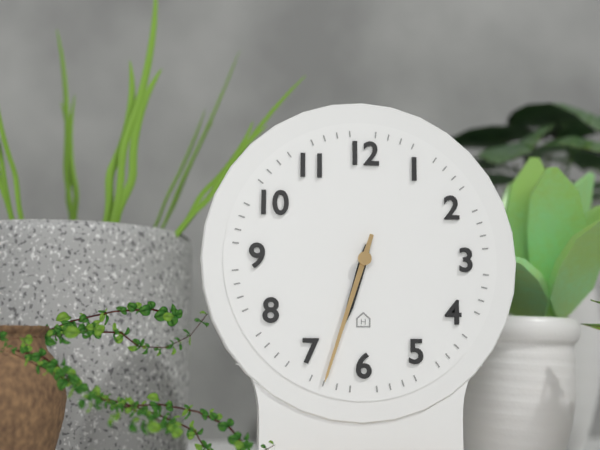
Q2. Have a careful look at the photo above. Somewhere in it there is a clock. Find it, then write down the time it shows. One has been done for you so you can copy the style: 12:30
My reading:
6:33
